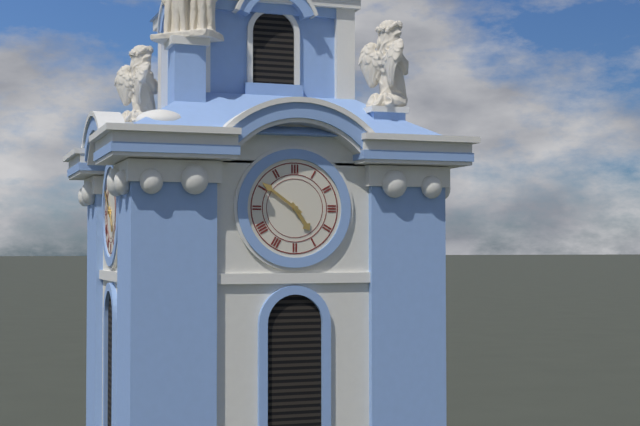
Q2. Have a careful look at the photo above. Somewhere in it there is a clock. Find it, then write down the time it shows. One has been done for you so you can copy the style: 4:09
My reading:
4:51
